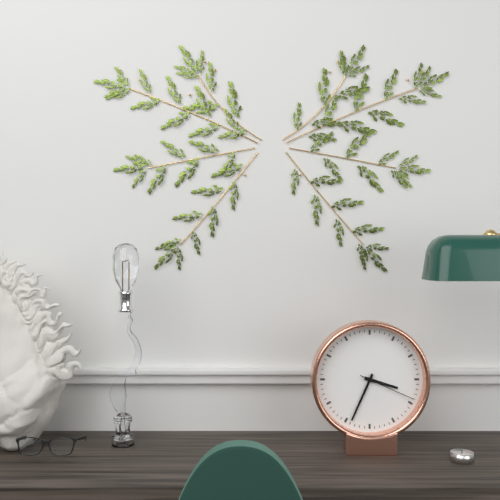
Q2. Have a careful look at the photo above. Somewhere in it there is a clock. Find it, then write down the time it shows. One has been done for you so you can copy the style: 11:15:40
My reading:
3:34:19
